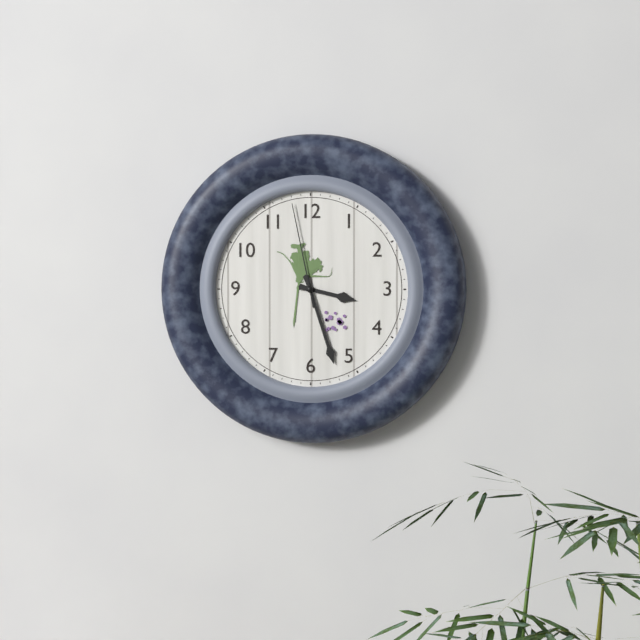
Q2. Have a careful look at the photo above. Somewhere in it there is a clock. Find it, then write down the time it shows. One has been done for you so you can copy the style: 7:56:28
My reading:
3:27:58
